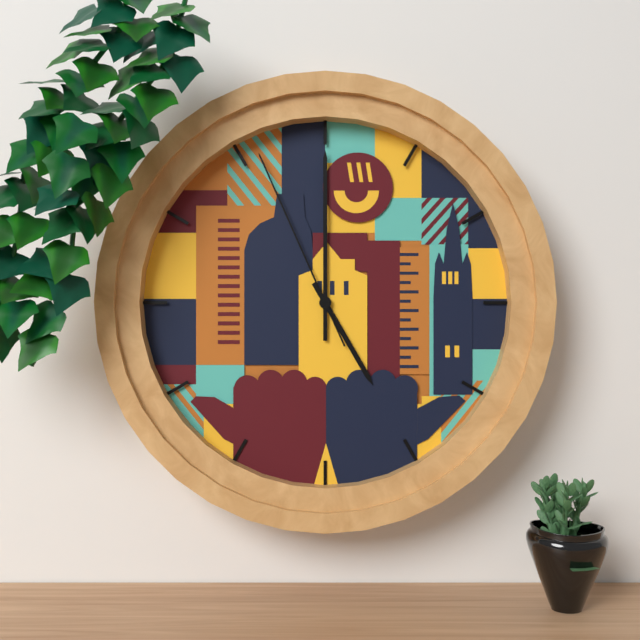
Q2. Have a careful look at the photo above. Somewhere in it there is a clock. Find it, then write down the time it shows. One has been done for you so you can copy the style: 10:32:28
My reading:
5:00:56
